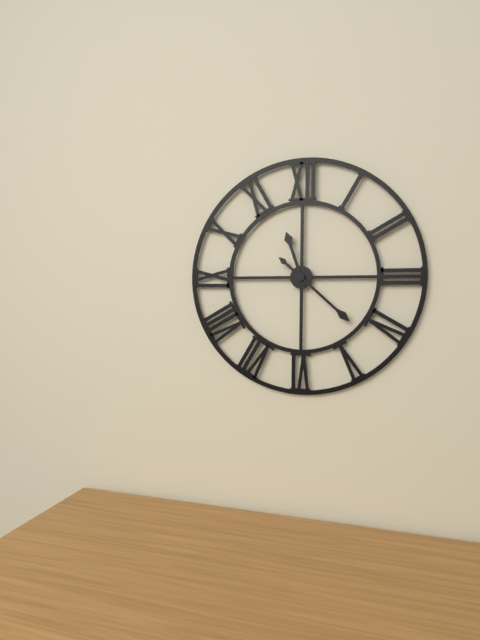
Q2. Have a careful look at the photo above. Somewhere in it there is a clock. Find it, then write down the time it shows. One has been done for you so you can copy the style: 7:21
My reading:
11:22
